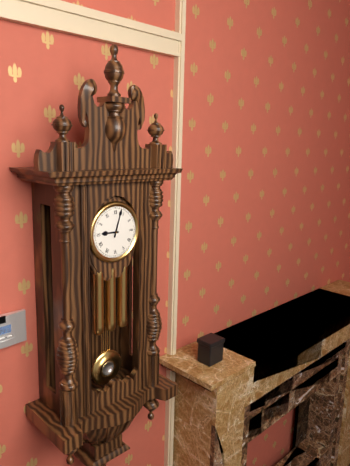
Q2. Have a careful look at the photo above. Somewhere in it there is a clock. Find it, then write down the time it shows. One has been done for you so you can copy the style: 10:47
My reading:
9:03
